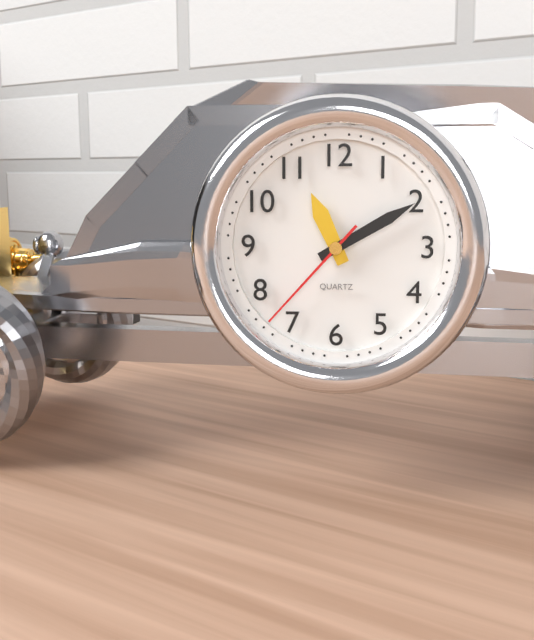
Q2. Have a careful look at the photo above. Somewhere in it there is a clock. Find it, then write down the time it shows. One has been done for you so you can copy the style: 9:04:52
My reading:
11:10:37
